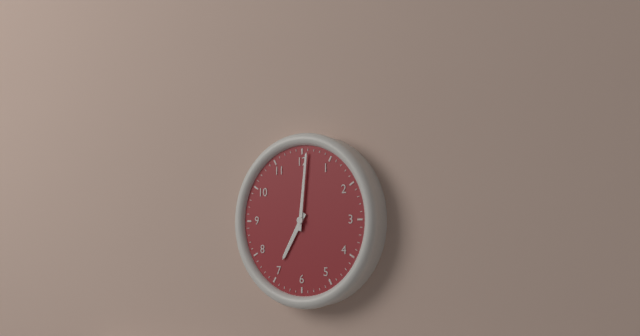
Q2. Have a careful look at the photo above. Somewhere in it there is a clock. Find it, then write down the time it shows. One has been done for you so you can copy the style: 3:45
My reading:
7:01
